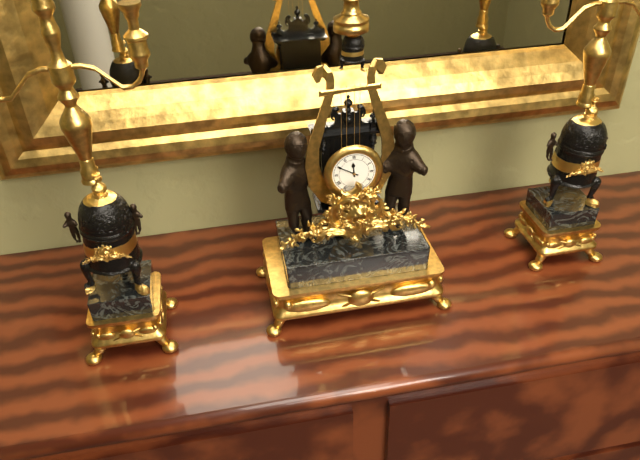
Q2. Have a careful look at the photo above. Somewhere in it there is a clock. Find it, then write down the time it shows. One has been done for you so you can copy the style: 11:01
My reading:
11:50
